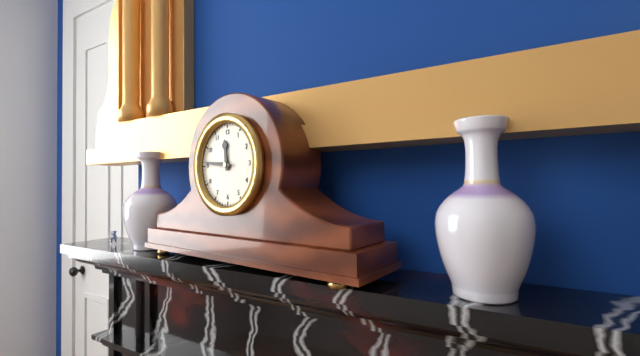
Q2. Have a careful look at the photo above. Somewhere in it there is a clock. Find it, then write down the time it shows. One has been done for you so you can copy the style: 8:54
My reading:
11:46
